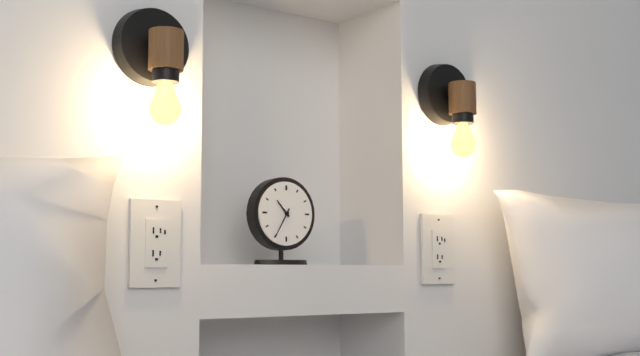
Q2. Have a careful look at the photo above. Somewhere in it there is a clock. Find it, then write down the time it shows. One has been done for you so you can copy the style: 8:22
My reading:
10:35
